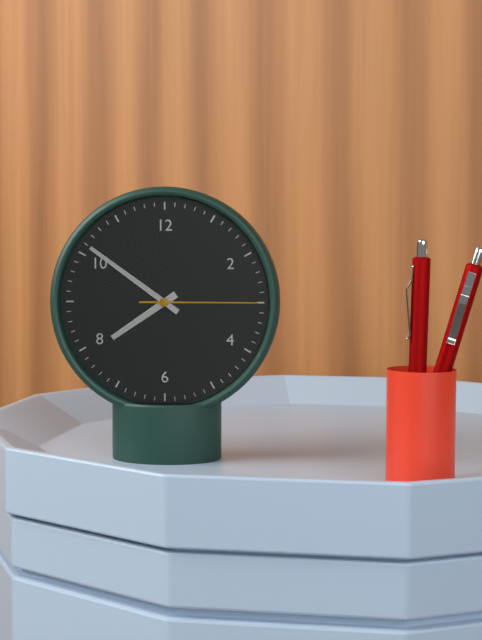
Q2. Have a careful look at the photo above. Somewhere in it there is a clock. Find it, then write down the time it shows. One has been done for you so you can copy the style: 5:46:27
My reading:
7:51:15
